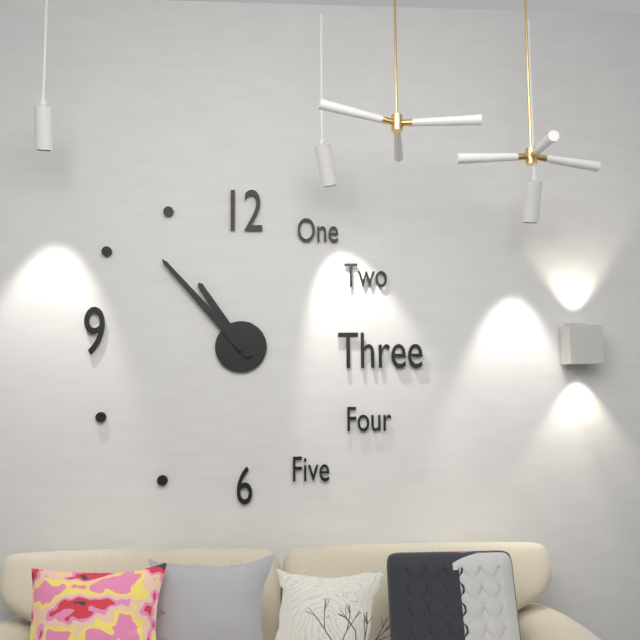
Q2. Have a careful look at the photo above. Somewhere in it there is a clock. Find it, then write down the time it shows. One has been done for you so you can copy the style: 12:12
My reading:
10:53
